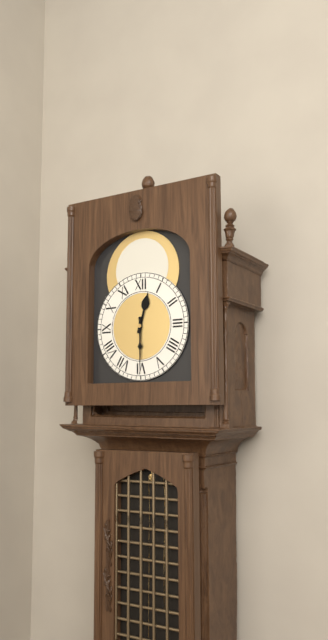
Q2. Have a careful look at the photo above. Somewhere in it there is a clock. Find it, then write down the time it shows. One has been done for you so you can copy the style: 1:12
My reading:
12:30
